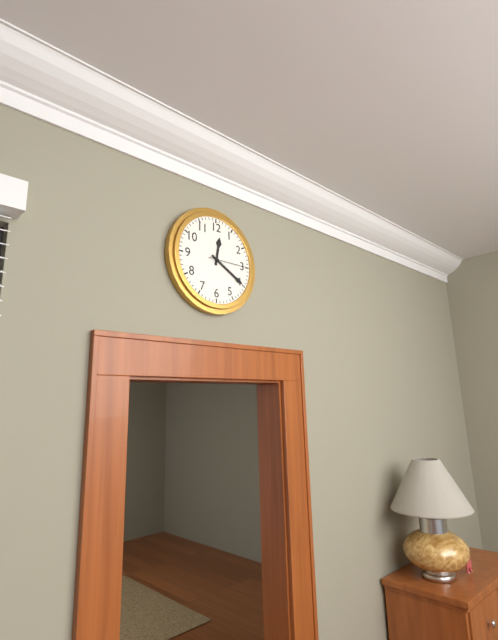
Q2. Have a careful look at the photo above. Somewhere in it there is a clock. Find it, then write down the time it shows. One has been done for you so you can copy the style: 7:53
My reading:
12:20
